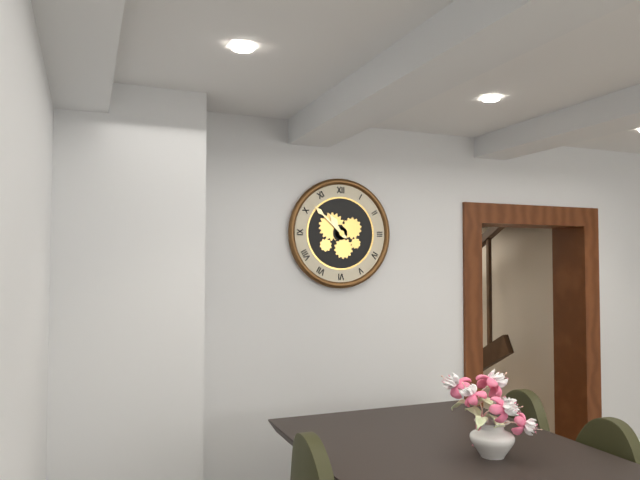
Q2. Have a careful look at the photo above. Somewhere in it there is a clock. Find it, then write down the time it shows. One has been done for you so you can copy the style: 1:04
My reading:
10:52
